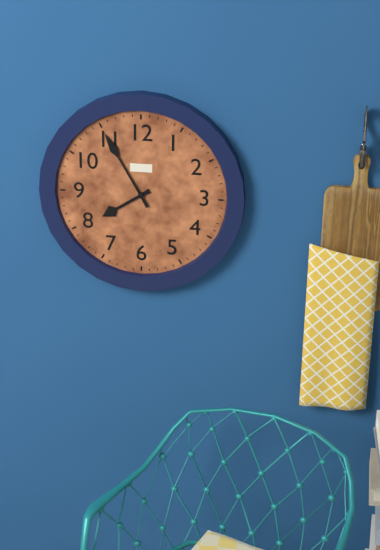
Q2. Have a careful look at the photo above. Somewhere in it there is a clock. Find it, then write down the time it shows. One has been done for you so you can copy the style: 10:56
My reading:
7:55
